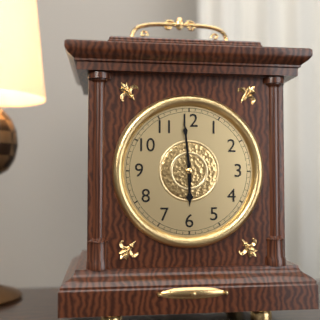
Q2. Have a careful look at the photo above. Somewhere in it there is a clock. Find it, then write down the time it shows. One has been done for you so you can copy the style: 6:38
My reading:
5:59
